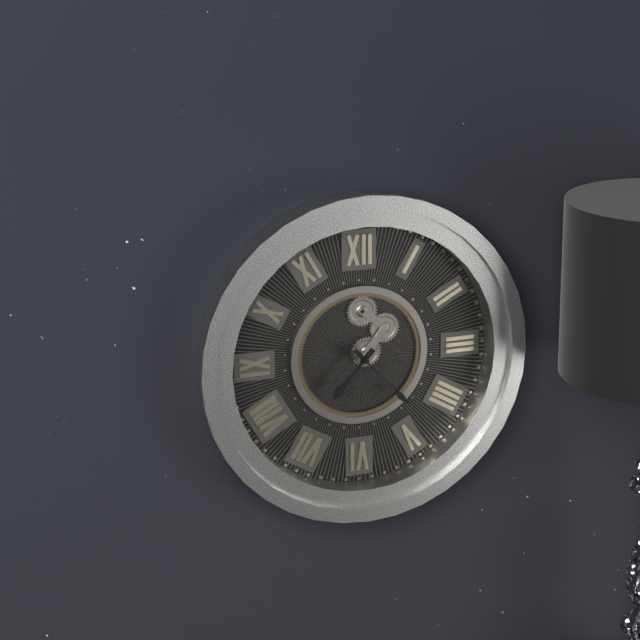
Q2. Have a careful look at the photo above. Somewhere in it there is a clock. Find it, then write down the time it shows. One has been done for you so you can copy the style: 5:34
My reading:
7:23
